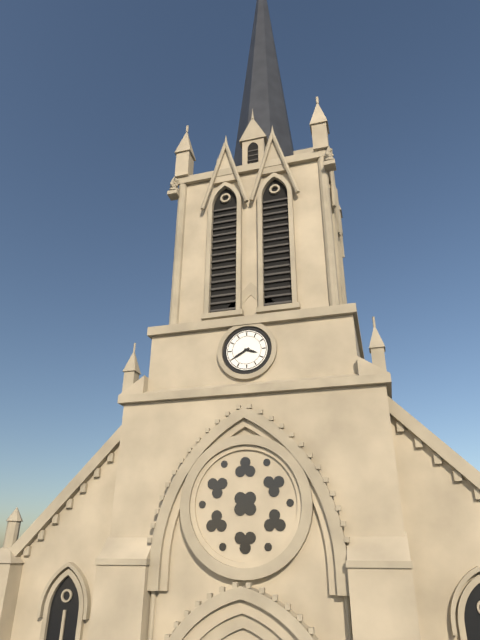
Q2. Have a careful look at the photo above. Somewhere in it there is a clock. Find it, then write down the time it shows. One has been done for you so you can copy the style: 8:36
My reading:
3:40
